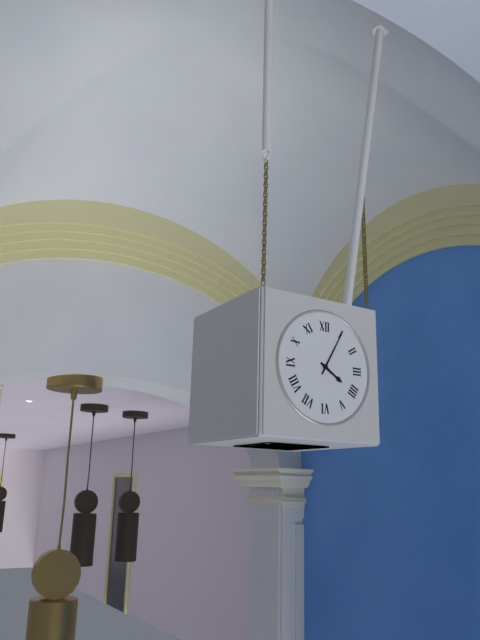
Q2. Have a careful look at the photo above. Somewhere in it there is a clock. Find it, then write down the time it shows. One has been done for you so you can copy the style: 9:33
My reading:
4:05
